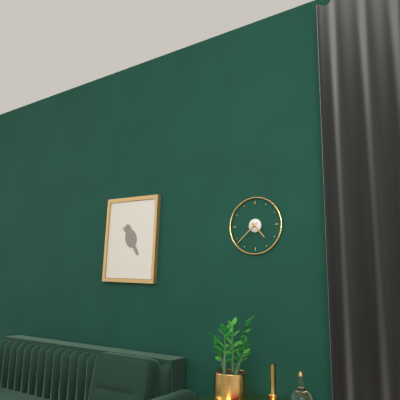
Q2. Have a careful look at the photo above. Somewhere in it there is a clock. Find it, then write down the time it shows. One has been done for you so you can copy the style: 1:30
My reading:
4:38
